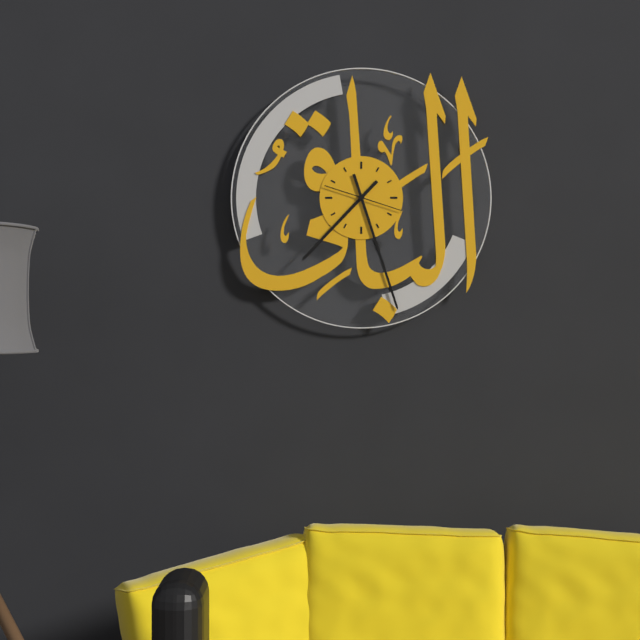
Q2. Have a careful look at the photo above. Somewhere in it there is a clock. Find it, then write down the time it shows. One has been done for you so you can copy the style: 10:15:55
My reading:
7:27:18
